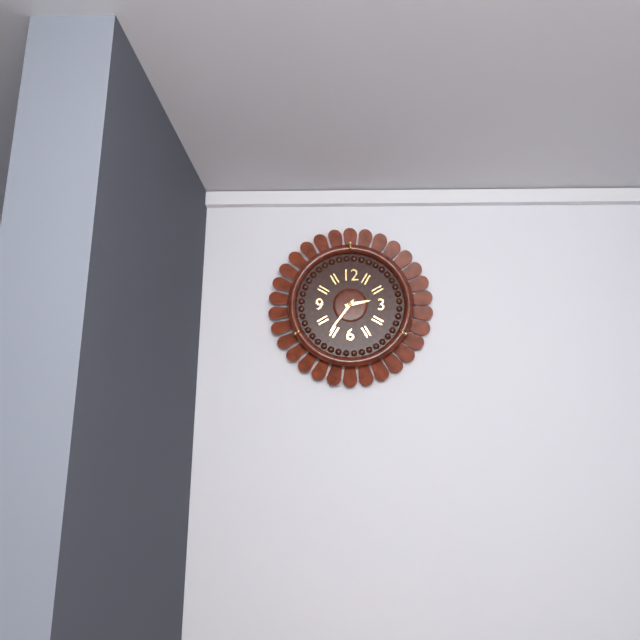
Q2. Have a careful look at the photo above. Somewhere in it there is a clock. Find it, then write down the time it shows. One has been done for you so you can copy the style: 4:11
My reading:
2:36
